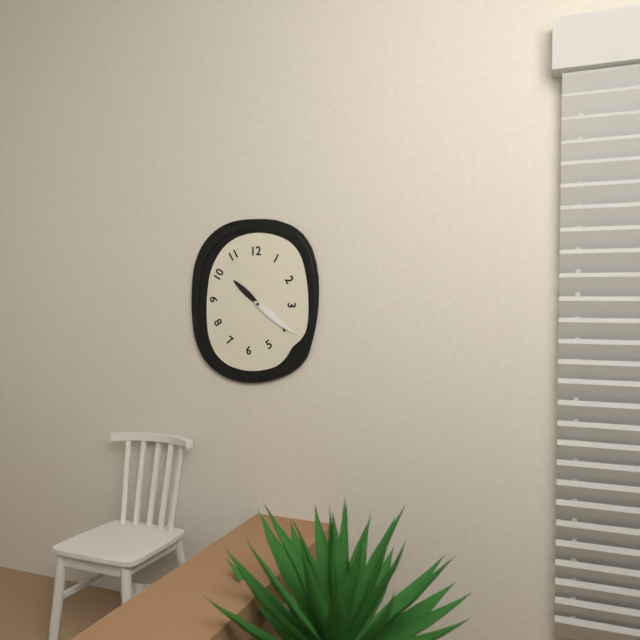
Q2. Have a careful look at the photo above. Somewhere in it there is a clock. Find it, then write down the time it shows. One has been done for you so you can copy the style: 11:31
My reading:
10:21
